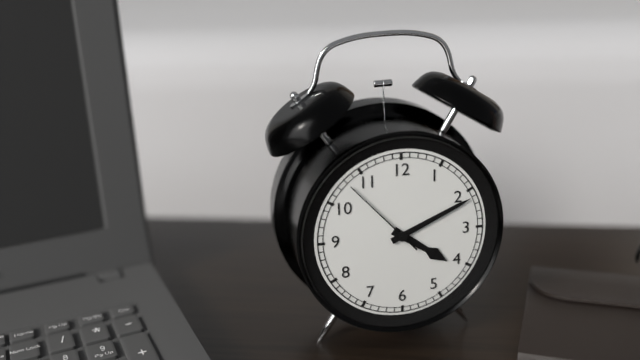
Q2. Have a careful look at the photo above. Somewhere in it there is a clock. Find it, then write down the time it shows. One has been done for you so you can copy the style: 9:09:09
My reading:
4:11:53
